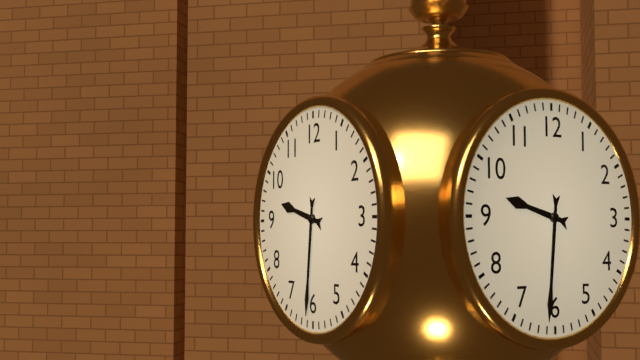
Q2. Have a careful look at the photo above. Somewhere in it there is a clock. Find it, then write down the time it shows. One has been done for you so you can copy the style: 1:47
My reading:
9:31
